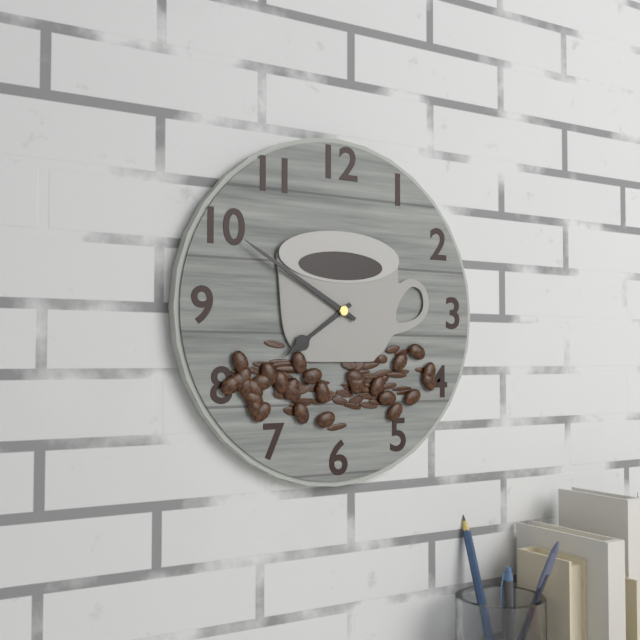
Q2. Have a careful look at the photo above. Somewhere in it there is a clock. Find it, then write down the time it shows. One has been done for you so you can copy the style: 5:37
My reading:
7:50
